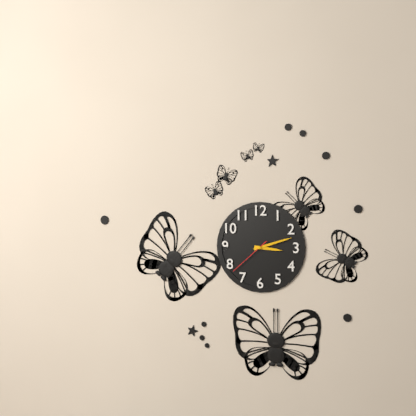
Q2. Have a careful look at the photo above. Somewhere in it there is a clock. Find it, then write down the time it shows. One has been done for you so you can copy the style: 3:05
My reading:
3:12
